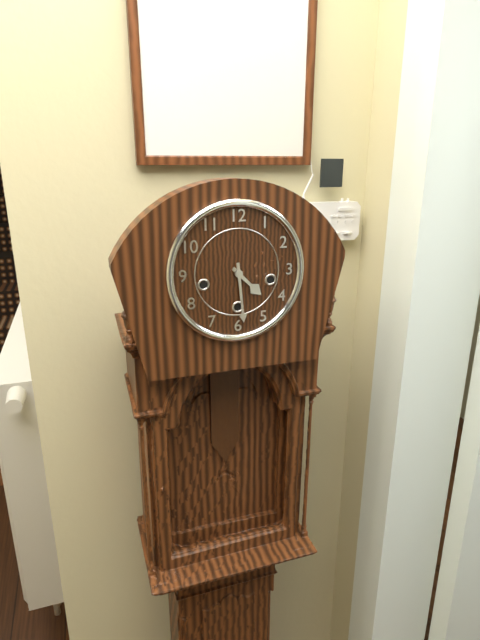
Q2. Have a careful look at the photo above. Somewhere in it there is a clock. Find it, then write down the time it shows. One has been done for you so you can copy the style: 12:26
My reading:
4:29
